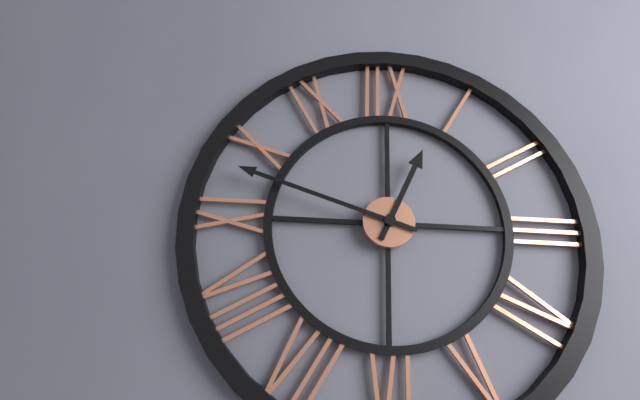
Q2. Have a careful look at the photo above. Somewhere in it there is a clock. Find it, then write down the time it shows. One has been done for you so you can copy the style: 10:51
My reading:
12:48
